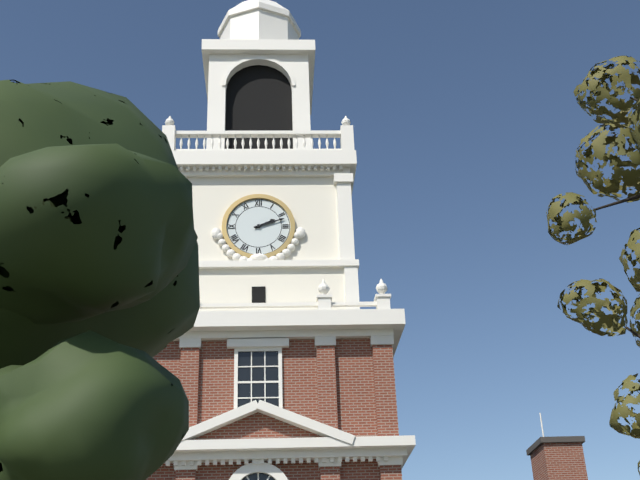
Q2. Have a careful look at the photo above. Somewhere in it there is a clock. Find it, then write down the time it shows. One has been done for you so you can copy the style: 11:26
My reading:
2:12
